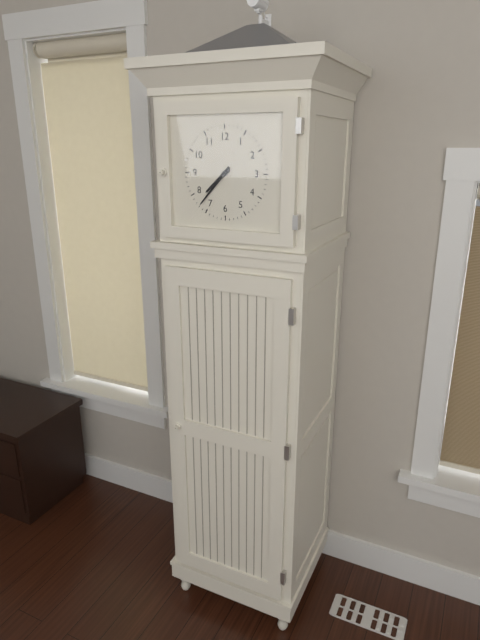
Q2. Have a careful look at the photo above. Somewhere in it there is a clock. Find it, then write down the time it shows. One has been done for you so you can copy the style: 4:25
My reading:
7:37
